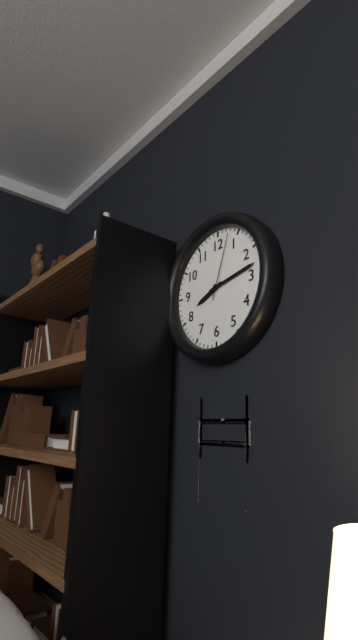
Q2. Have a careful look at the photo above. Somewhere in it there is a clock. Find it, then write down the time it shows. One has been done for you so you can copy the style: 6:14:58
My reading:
8:13:03
